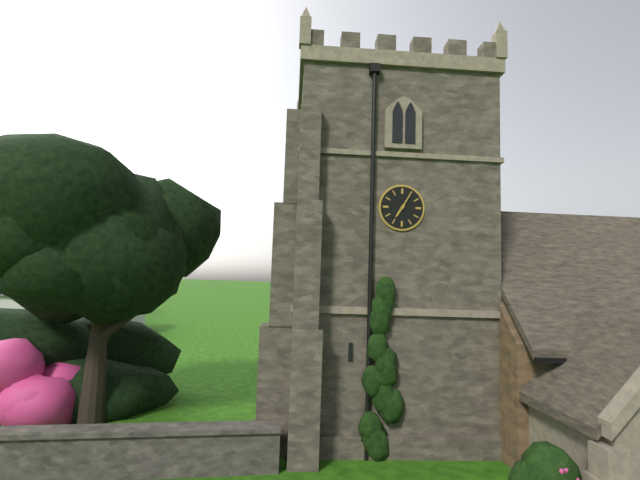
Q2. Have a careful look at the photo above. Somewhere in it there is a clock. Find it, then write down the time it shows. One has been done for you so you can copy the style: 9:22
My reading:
7:05
